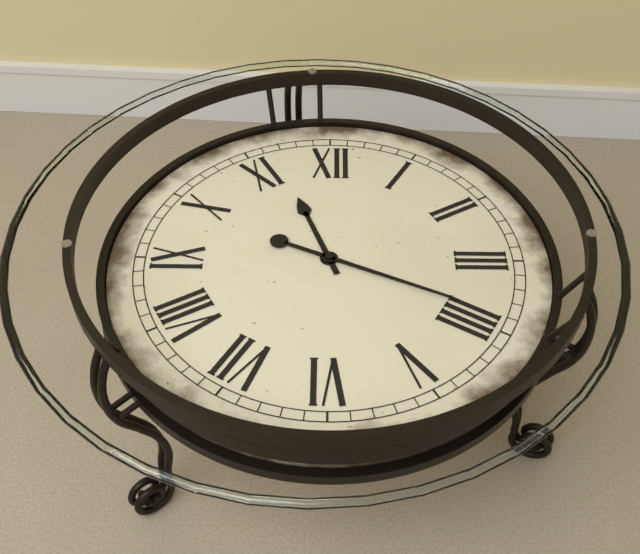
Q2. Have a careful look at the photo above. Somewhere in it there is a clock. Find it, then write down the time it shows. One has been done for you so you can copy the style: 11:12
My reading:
11:19
